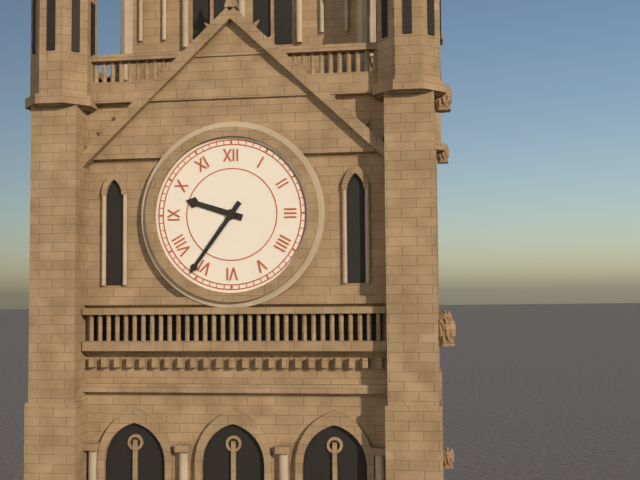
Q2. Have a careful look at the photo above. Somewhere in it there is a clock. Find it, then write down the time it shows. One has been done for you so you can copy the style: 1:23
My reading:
9:36
